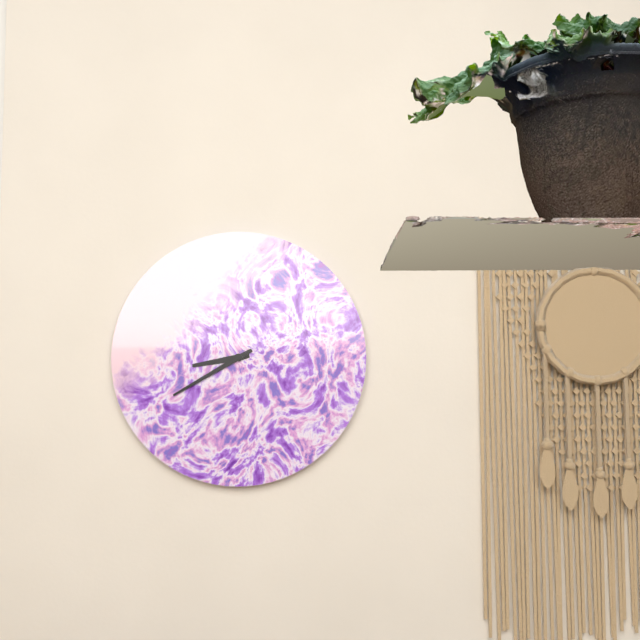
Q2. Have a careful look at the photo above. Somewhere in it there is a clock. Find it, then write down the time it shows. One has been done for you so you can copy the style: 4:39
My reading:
8:40
